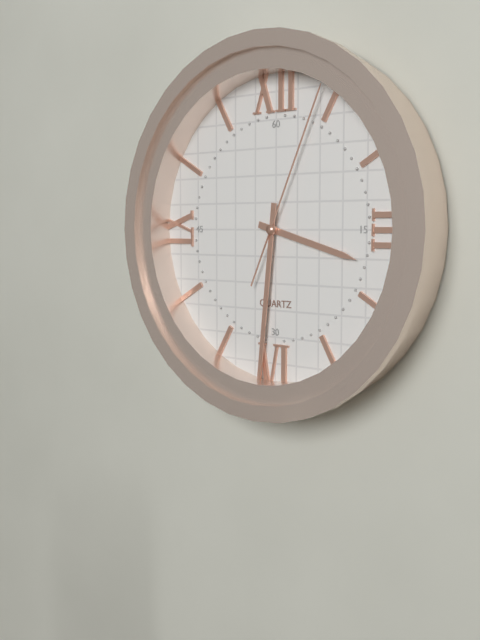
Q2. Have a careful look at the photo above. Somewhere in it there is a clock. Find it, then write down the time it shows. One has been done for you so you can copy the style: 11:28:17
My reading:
3:31:04
